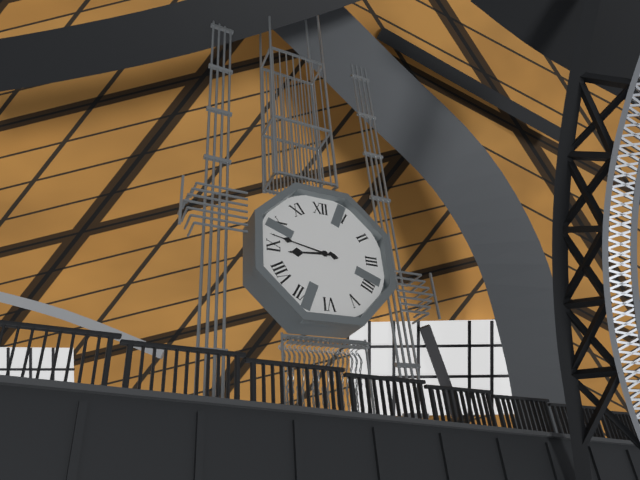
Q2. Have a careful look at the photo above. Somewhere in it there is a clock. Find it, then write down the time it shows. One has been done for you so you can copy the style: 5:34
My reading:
8:47
